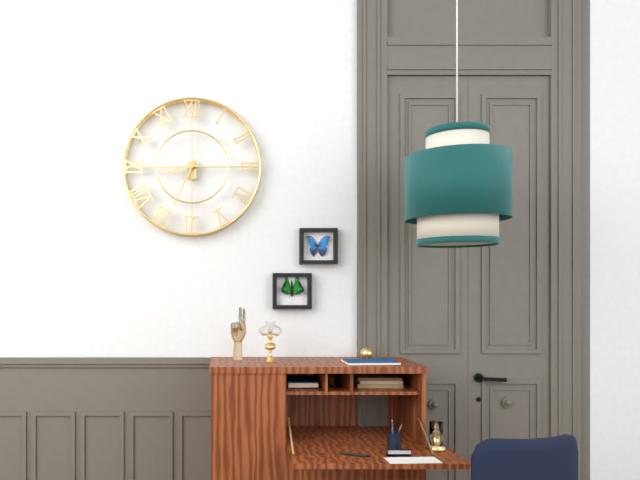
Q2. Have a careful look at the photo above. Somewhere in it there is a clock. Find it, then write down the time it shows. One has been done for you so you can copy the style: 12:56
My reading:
8:34
